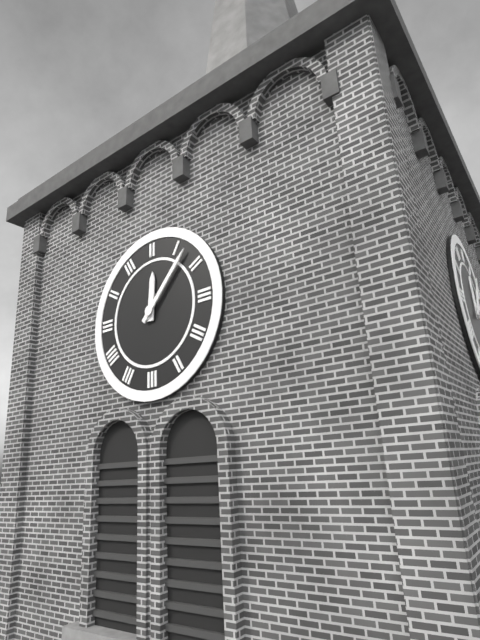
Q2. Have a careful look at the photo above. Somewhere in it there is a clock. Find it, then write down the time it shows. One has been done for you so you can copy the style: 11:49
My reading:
12:07
